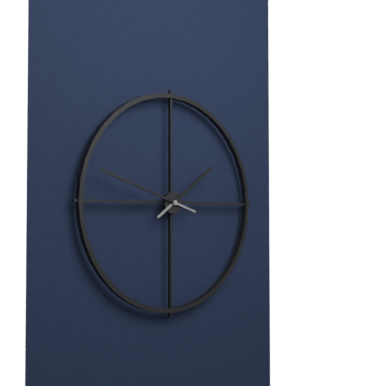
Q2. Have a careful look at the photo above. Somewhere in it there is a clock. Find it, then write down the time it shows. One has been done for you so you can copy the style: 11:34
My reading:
1:48
